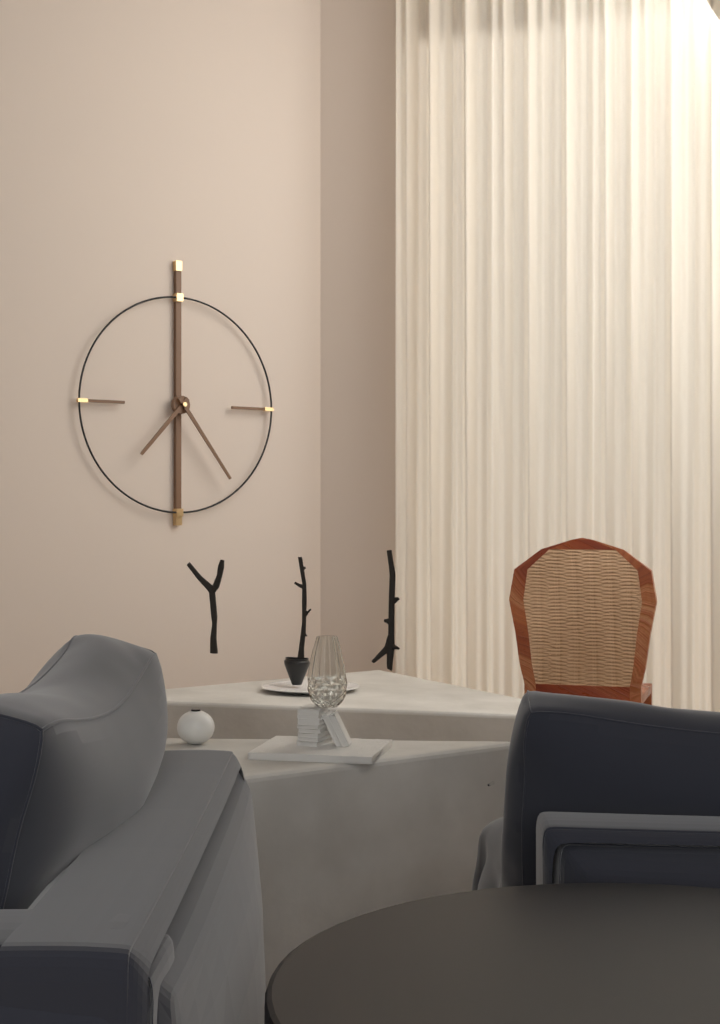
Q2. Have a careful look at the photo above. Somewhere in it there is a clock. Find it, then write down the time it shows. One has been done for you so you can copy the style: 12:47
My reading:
7:24
